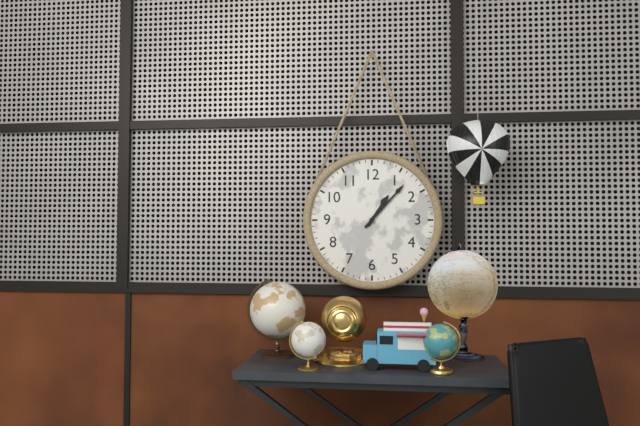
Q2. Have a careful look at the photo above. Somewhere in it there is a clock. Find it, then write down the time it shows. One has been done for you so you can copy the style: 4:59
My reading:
1:07
